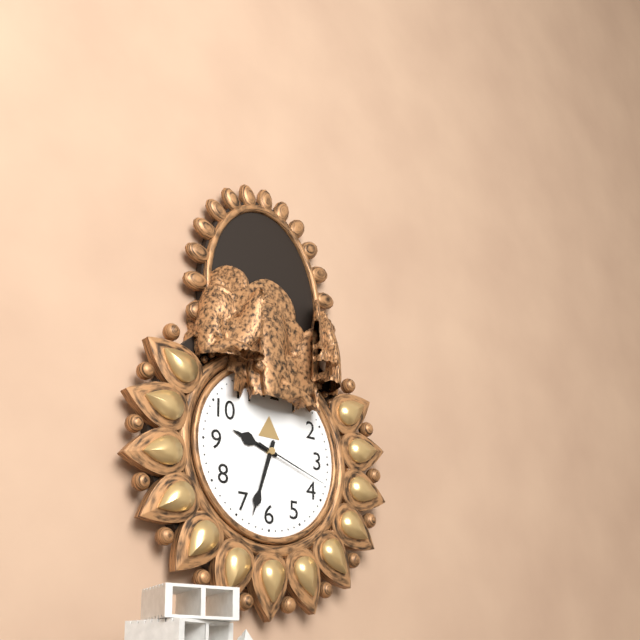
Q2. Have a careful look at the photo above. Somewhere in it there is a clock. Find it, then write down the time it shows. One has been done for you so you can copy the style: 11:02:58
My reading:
9:33:18
